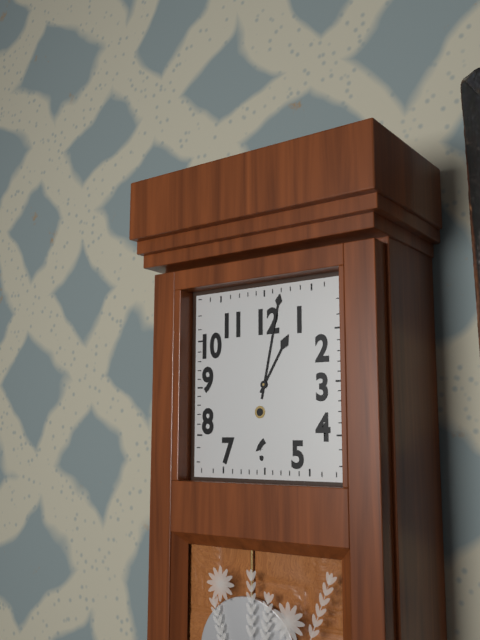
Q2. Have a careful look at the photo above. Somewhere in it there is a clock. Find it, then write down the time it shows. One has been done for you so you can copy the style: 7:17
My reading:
1:02
